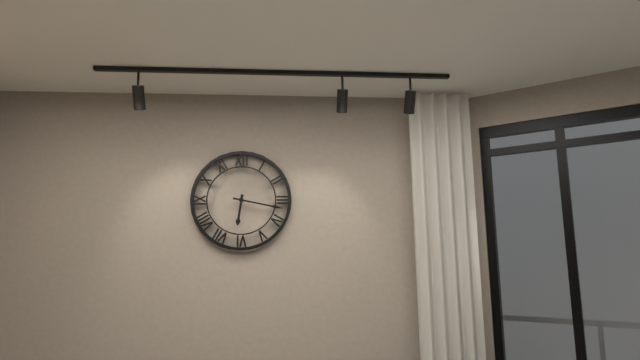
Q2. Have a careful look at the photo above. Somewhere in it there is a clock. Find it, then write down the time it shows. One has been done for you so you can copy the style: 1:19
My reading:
6:17
